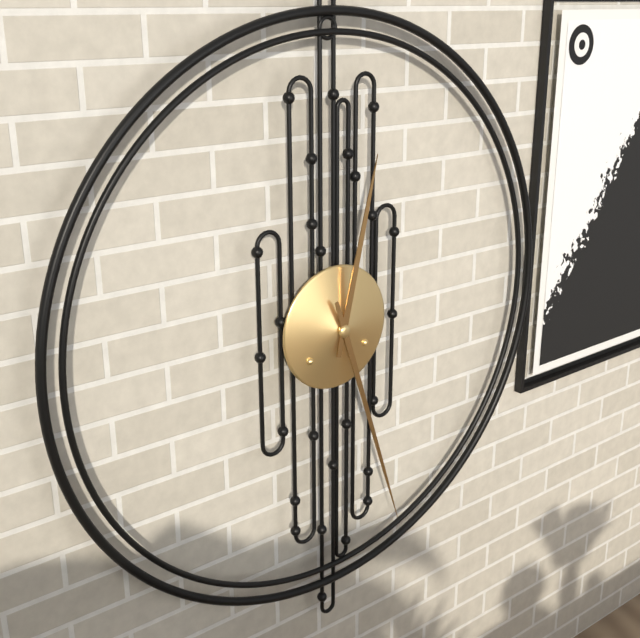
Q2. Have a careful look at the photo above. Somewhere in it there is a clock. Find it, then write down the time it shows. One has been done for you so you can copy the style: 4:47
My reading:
12:27
